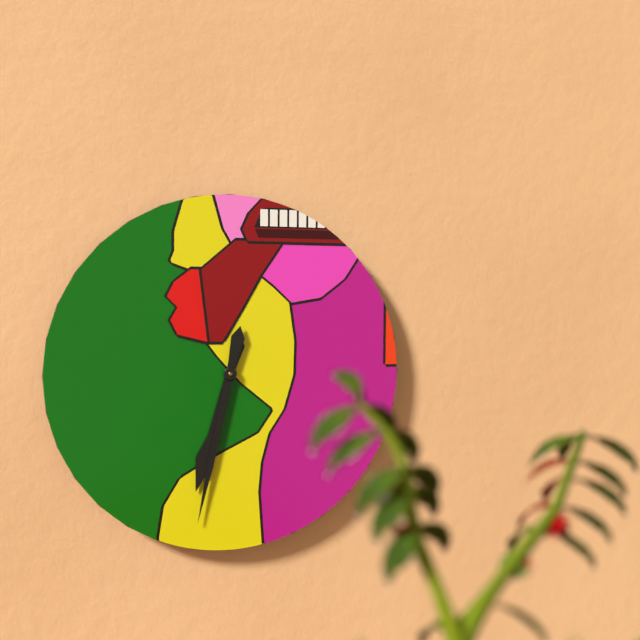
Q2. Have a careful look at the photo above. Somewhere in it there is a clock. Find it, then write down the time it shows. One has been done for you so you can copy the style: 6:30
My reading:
6:32
